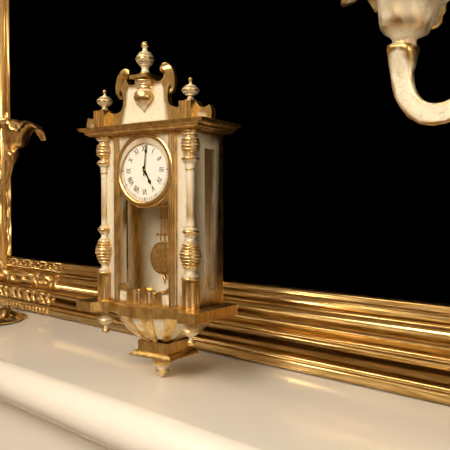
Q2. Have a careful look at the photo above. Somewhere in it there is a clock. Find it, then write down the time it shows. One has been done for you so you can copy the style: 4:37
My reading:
5:01
